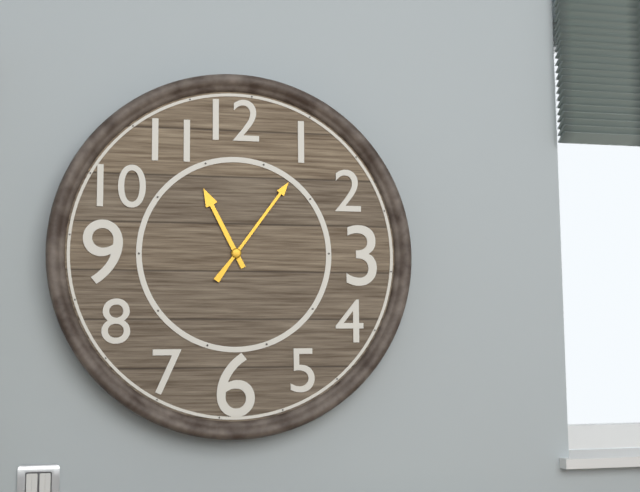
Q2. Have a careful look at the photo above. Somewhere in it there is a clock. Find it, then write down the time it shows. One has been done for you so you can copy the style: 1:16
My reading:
11:06
